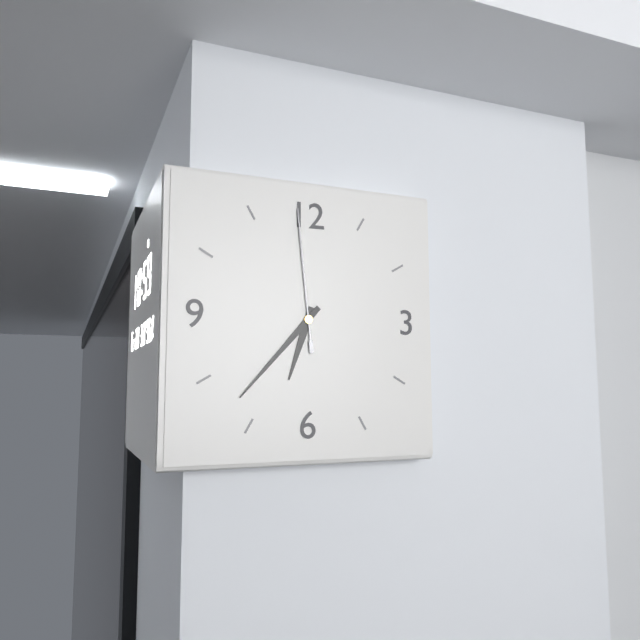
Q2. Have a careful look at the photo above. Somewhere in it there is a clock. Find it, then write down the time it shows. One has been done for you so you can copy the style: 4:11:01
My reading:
6:37:59
